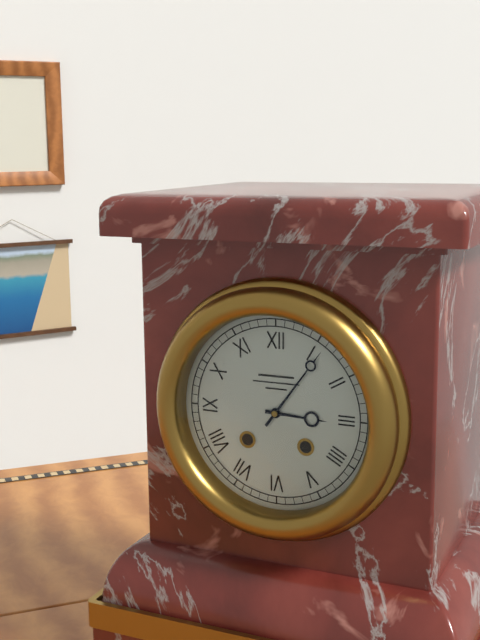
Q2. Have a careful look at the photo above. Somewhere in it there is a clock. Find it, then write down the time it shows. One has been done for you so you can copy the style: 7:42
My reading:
3:06
